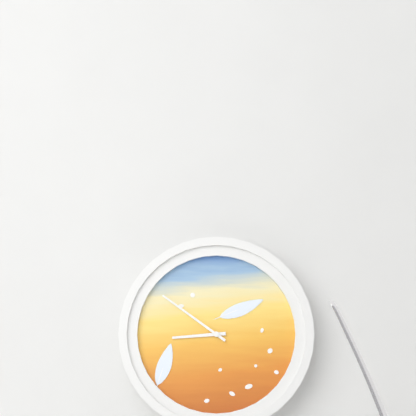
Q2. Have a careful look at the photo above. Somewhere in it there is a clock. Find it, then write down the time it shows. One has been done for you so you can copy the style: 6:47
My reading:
8:51
